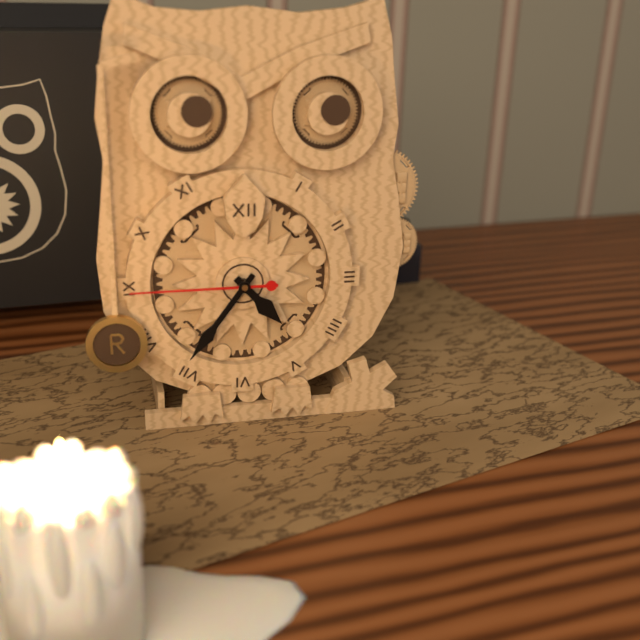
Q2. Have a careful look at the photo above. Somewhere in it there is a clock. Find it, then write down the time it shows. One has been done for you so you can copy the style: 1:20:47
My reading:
4:36:45
